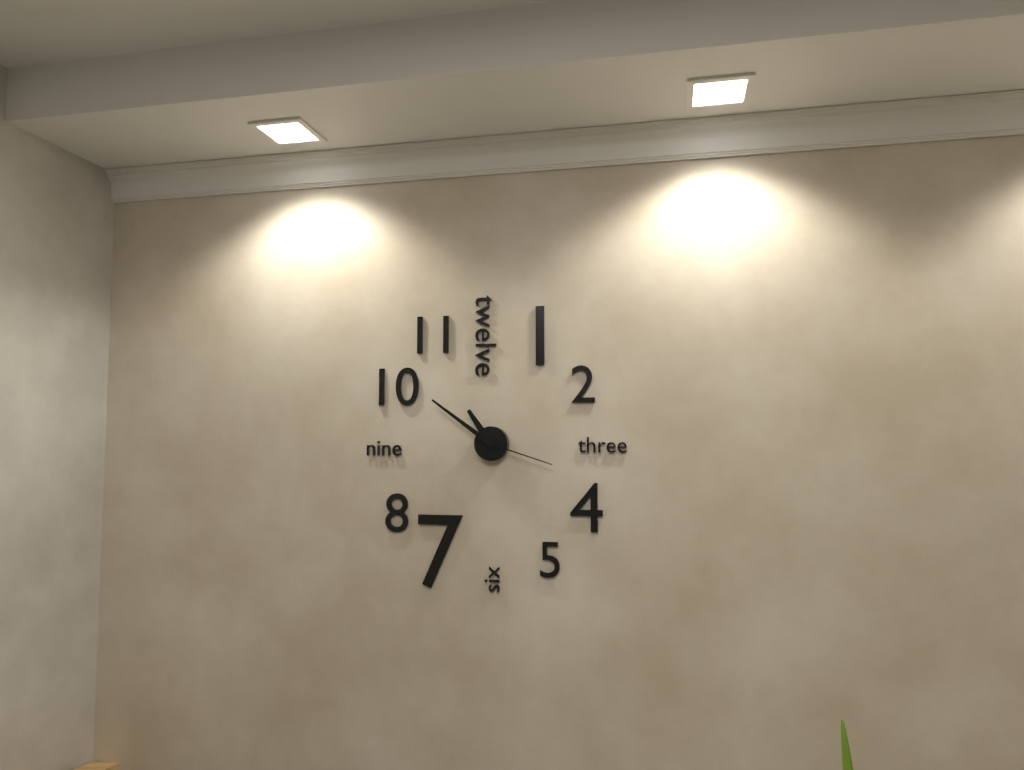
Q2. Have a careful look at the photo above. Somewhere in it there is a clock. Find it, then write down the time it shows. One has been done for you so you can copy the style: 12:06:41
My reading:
10:51:18
